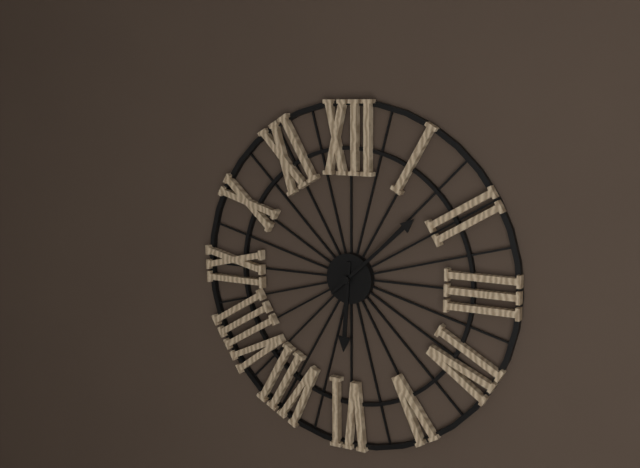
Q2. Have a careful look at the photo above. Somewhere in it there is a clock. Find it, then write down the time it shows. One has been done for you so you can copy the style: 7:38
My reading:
6:08
